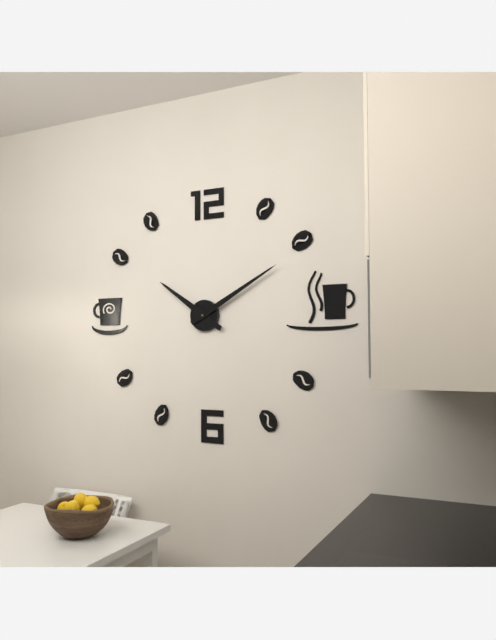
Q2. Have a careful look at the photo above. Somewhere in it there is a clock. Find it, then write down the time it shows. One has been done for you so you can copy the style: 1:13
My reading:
10:10
